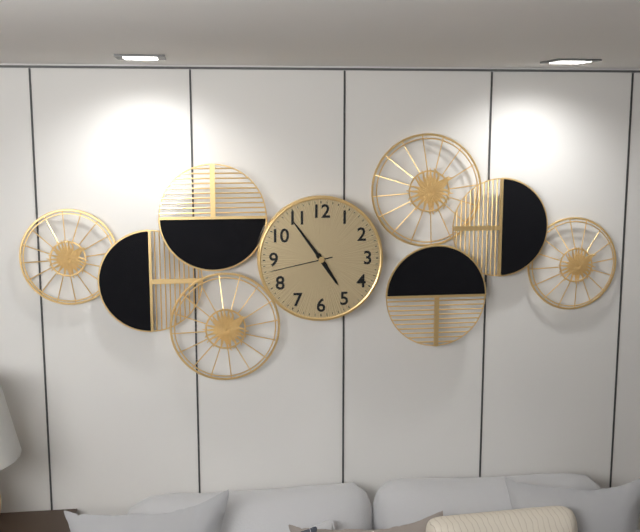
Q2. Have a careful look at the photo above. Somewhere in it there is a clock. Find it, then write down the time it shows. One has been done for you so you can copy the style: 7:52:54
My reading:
4:54:43
